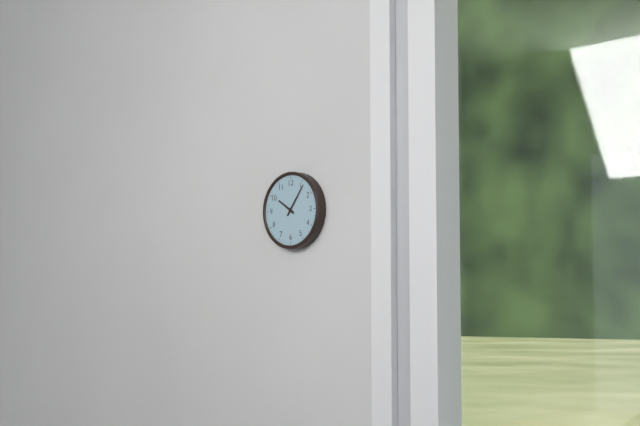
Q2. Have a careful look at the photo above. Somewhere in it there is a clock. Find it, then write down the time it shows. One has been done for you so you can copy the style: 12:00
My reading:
10:06
